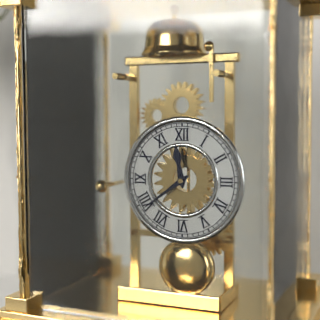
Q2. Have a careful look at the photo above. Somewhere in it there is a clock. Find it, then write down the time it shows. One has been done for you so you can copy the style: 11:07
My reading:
11:39
